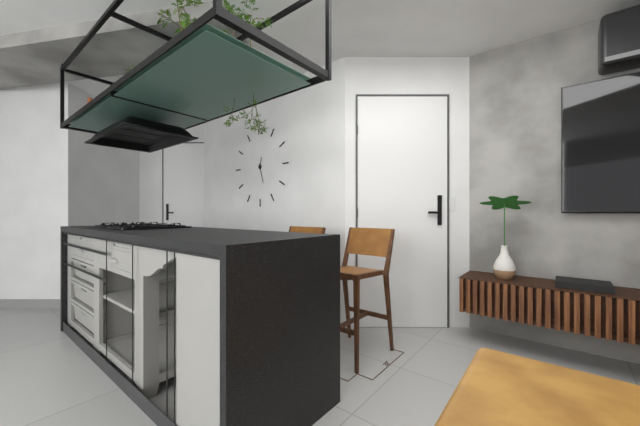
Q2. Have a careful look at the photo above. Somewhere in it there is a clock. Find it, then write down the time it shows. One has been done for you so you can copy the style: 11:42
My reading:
12:27
